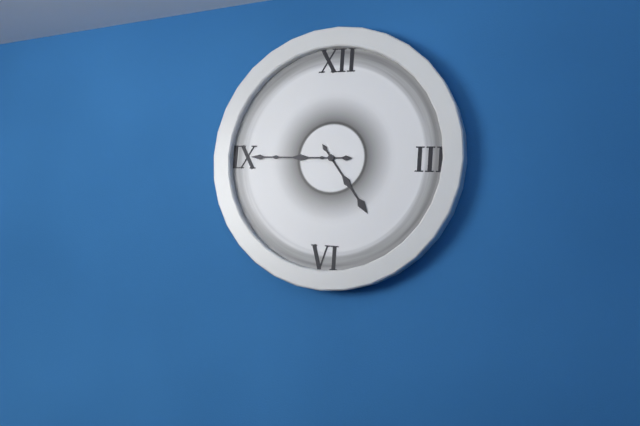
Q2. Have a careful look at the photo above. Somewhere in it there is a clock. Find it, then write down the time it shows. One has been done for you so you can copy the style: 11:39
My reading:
4:45
